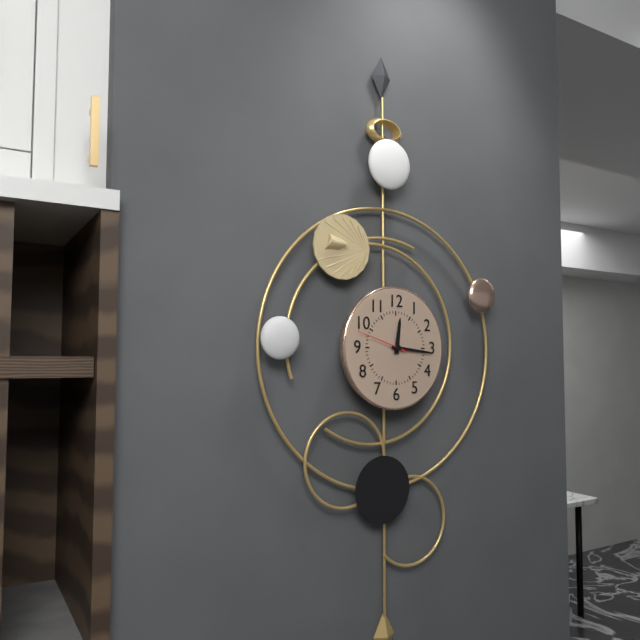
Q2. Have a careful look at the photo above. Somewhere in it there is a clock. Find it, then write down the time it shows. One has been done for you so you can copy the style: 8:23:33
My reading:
12:16:48
